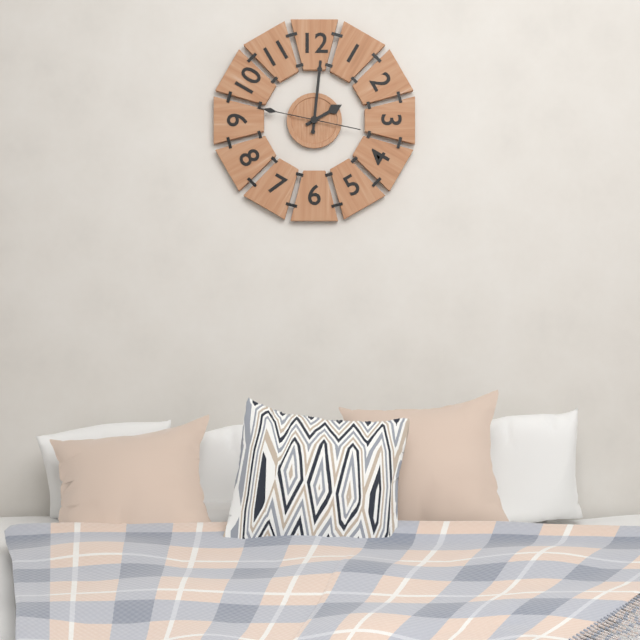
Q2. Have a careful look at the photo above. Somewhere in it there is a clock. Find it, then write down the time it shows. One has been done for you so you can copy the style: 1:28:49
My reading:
2:01:47
